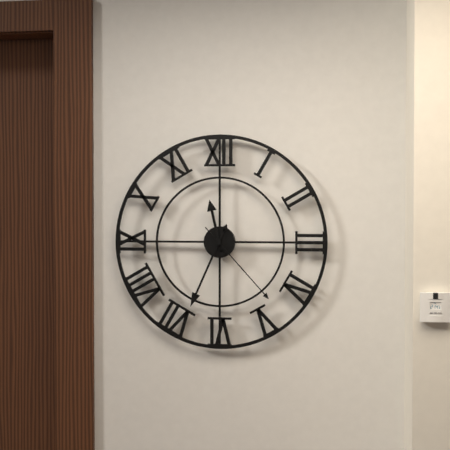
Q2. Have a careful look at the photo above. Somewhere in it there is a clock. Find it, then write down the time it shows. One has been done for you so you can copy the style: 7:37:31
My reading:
11:34:23
